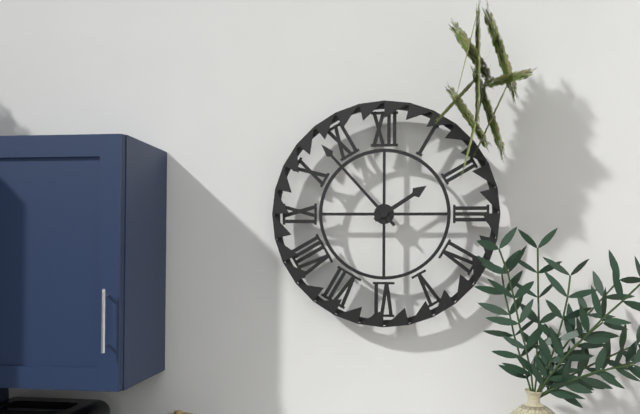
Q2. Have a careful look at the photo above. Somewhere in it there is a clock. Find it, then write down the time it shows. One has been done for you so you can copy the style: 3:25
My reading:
1:53
